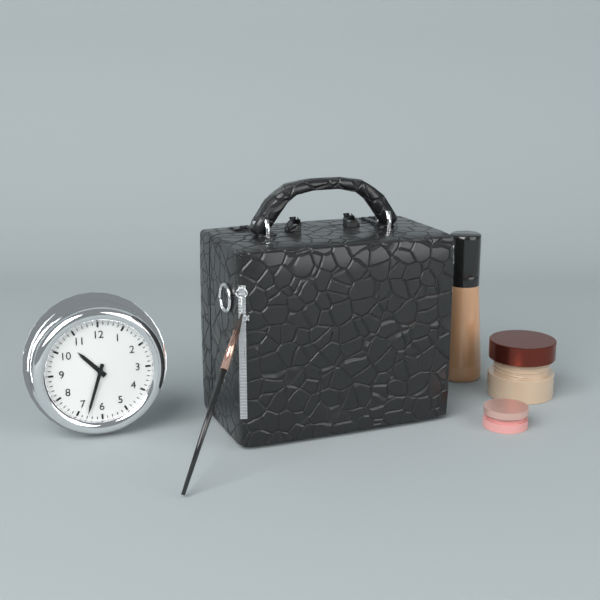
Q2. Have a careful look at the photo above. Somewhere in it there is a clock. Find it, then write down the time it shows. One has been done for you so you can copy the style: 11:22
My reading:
10:33
